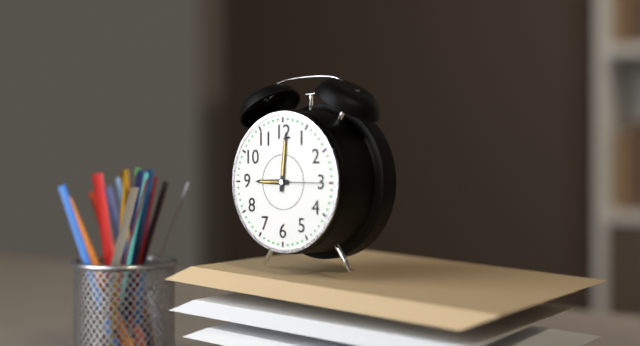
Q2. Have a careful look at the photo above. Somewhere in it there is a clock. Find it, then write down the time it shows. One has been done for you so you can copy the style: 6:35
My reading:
9:01
